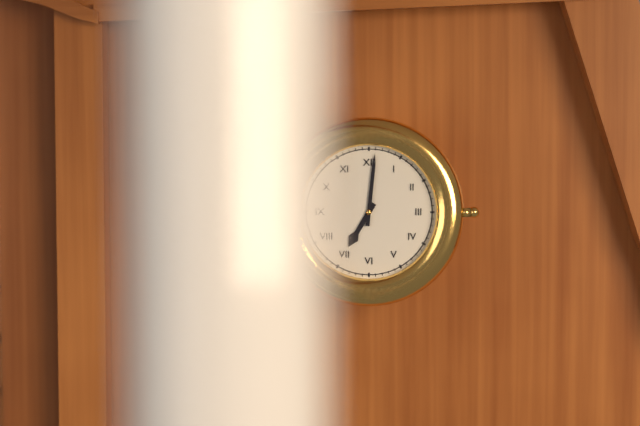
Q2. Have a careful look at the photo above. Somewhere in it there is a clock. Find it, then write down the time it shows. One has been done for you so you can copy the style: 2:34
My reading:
7:01
